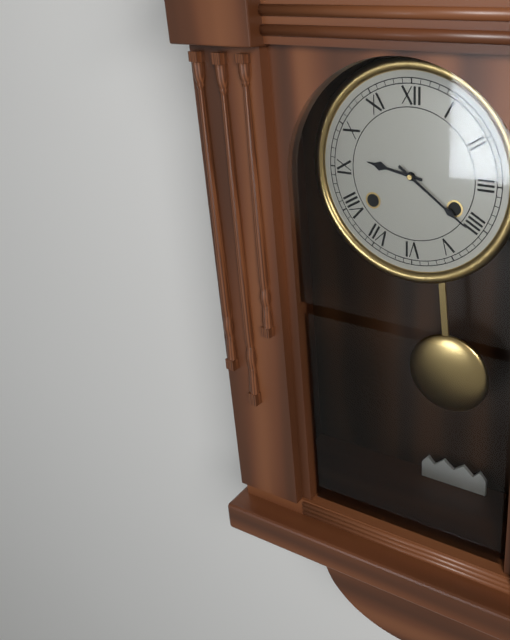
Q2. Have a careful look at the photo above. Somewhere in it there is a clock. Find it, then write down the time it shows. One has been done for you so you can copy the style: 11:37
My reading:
9:21
